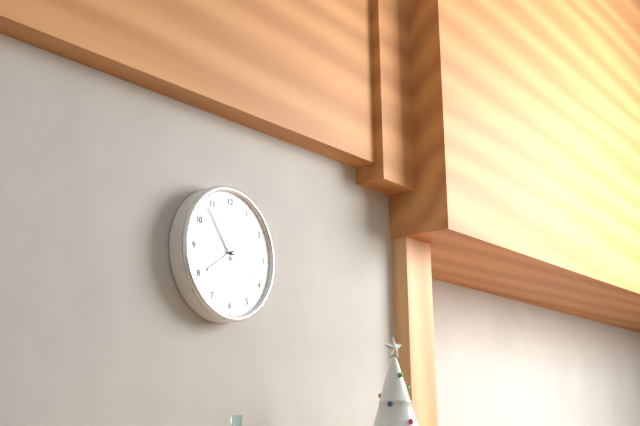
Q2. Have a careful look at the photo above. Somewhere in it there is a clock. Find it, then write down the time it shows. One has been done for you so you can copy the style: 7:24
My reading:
7:54
